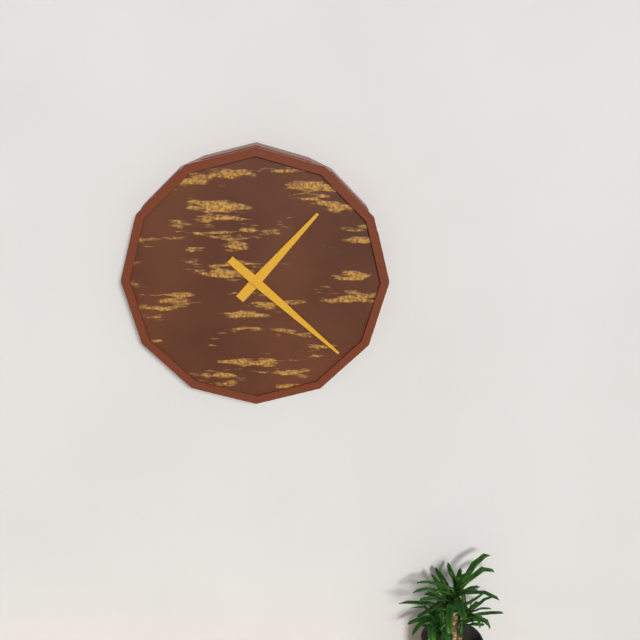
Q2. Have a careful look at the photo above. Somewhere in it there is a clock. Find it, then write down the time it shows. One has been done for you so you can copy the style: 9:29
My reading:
1:22
